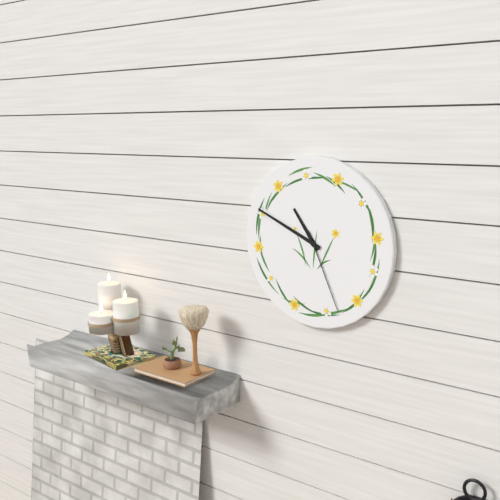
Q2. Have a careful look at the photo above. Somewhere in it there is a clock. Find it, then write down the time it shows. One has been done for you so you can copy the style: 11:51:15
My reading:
10:49:26
